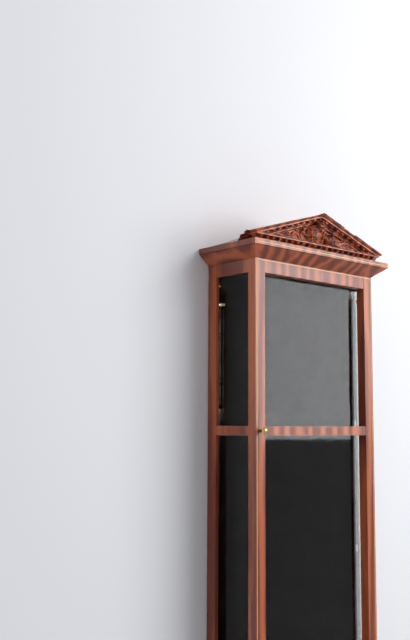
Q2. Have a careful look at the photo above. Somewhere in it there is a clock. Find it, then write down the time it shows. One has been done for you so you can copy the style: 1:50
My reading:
5:04
